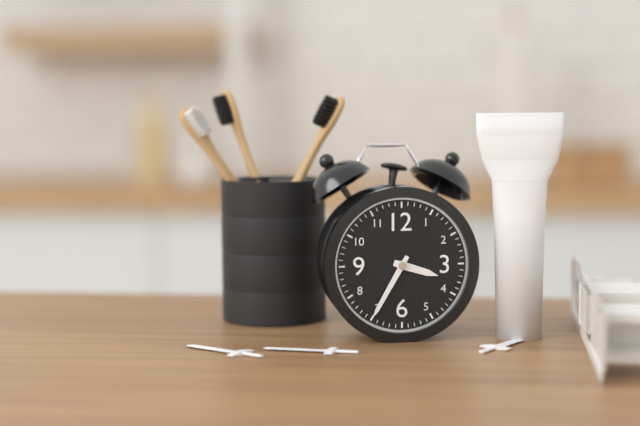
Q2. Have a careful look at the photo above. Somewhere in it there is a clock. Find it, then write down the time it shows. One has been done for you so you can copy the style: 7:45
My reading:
3:35
